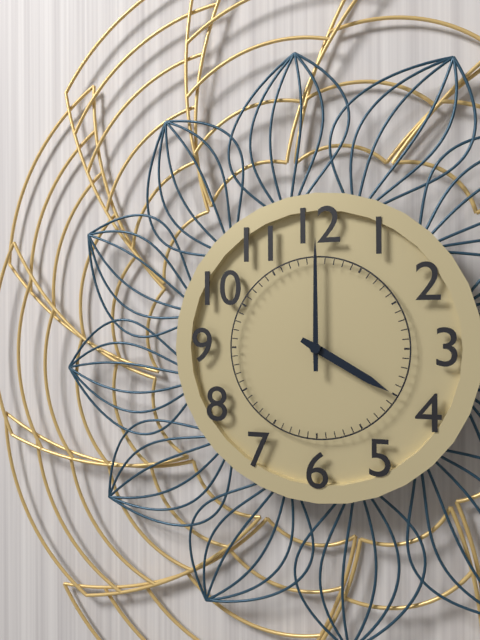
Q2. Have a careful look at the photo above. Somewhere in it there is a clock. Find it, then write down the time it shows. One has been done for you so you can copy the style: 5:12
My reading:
4:00
